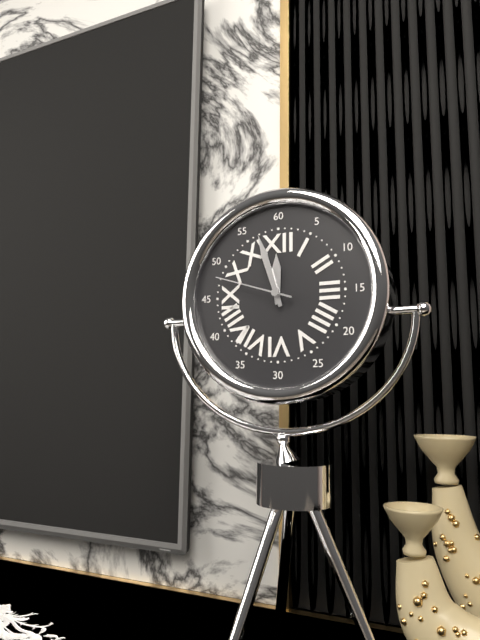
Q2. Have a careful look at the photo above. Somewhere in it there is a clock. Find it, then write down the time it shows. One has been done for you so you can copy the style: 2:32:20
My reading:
11:57:48
